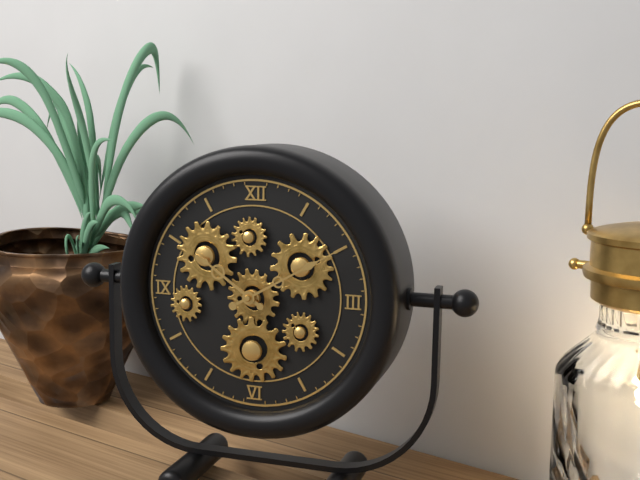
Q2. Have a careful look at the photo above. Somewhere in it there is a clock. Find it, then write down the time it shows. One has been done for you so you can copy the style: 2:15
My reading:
10:10
